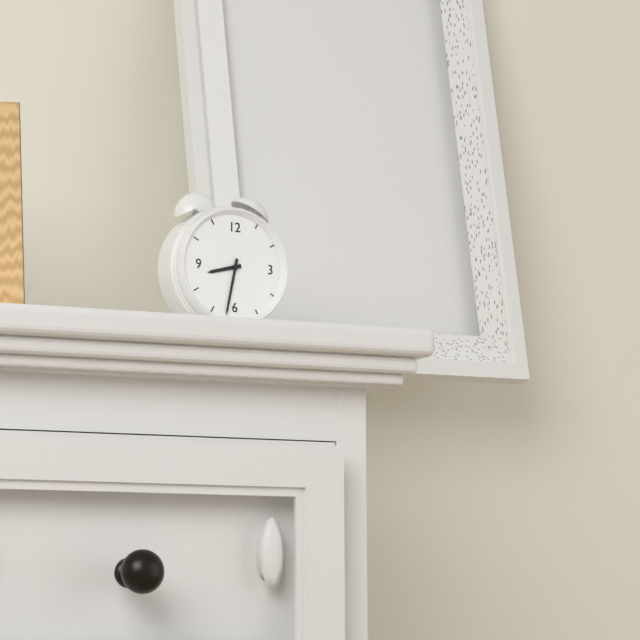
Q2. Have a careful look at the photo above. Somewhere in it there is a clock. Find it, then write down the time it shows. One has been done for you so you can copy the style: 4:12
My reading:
8:32
